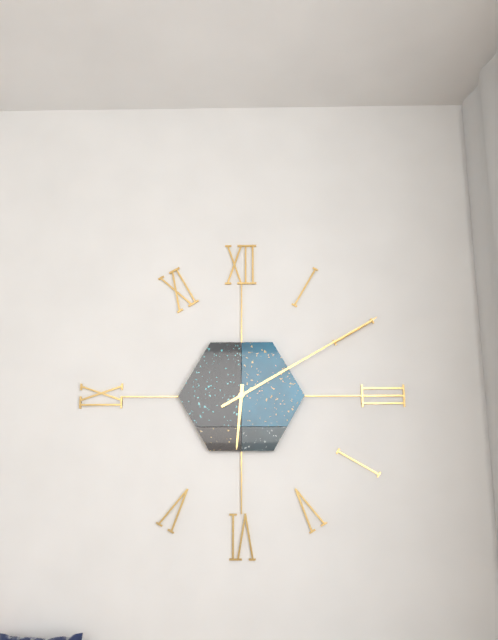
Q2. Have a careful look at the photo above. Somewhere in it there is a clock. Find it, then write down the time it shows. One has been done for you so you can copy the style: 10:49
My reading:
6:10
